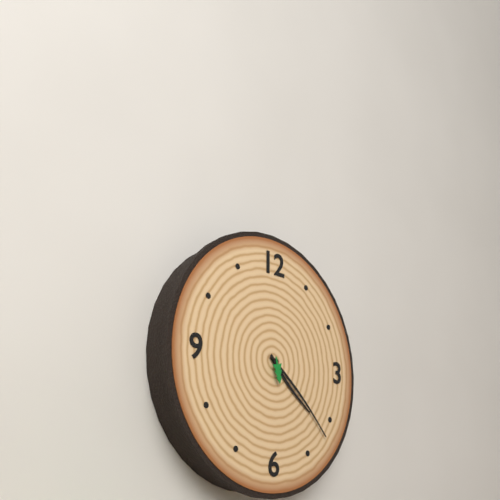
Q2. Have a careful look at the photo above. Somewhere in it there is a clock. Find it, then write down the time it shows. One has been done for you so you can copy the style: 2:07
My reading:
4:22
